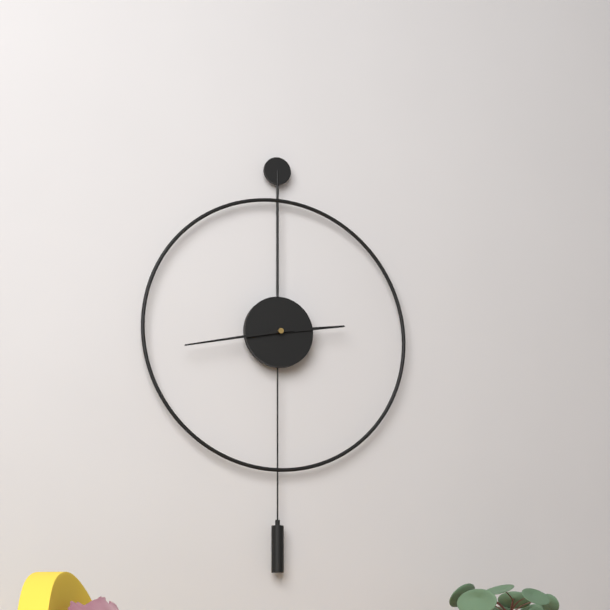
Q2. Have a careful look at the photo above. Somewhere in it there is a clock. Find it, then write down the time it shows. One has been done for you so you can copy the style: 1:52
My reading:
2:43
